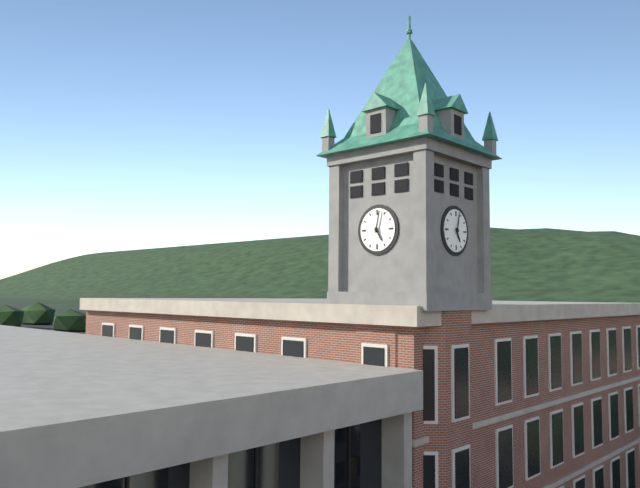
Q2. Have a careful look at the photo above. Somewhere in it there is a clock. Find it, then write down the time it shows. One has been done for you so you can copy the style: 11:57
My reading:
5:02
